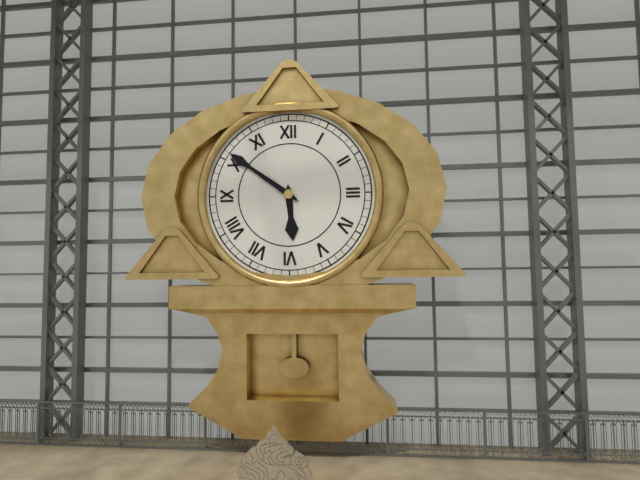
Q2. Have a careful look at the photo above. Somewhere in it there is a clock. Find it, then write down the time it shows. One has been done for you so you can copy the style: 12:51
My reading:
5:51
